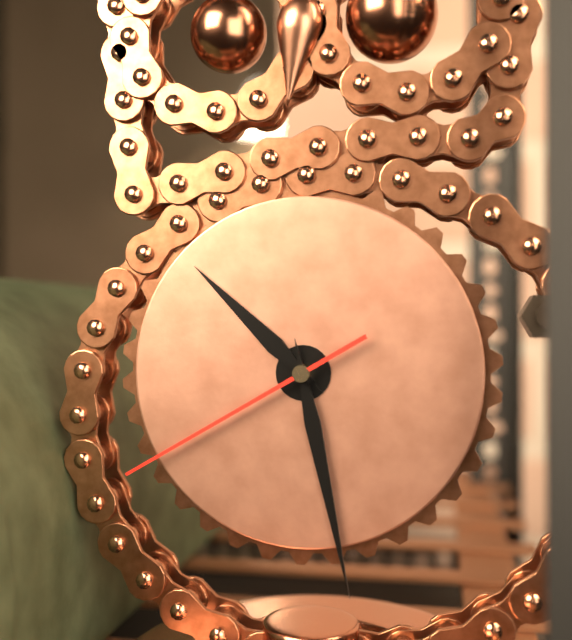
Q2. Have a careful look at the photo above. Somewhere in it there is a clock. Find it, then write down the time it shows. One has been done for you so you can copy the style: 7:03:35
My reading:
10:28:40
